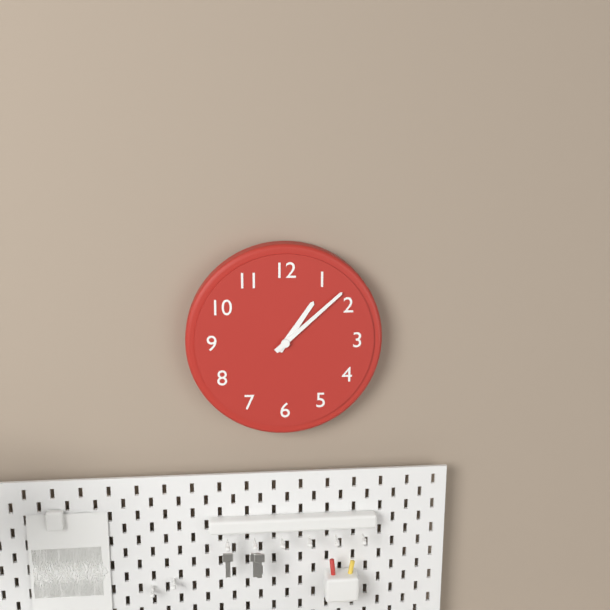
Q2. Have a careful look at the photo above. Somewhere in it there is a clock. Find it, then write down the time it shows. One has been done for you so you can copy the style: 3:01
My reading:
1:08
